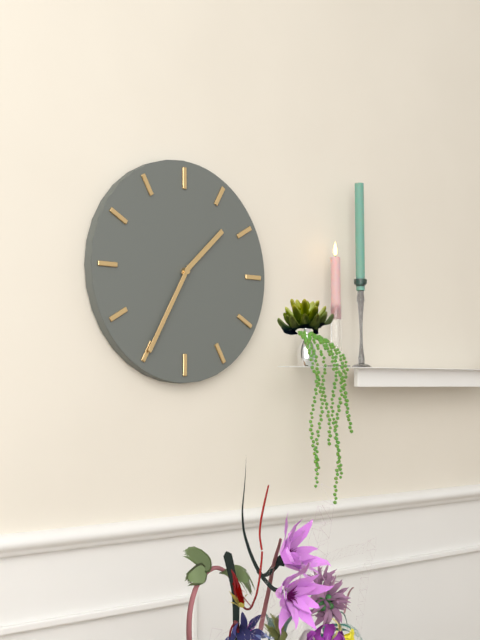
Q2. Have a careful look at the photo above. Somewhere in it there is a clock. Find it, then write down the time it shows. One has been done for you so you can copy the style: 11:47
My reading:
1:35
